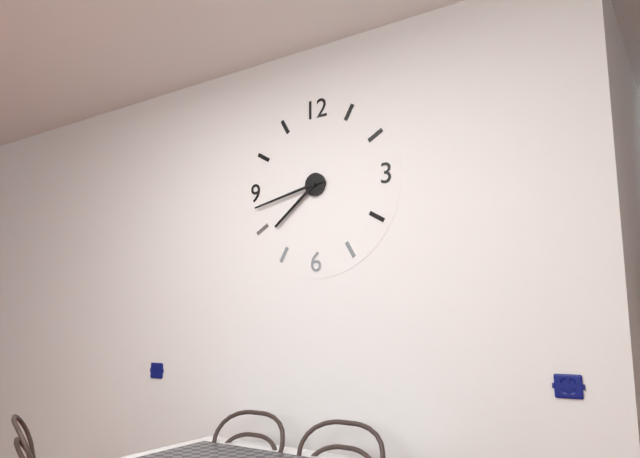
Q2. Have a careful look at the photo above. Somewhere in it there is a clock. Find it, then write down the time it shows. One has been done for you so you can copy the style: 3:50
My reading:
7:43
